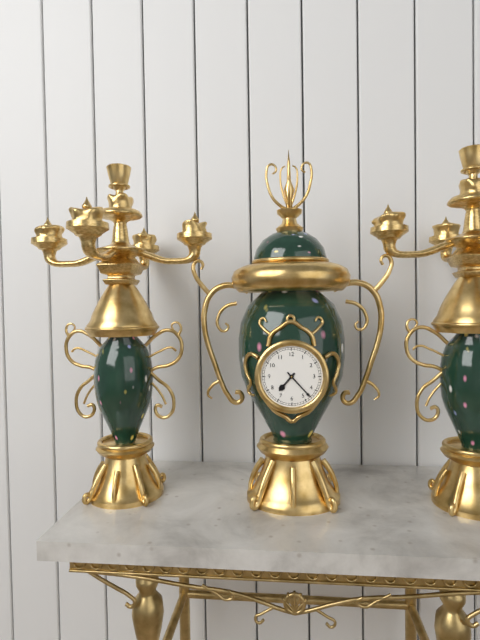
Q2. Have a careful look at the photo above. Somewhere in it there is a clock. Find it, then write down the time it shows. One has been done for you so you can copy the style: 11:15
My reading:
7:23
